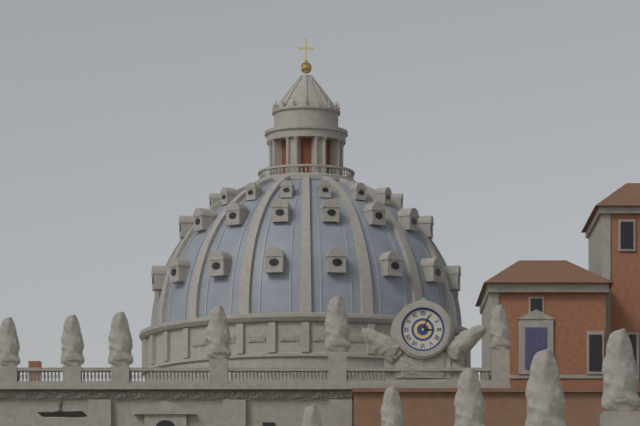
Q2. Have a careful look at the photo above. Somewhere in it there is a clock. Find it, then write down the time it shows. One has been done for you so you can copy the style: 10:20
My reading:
3:04
